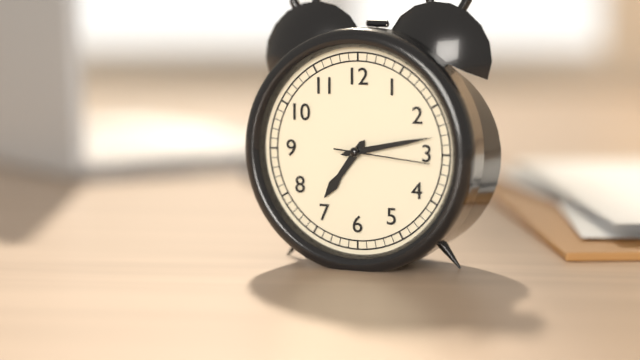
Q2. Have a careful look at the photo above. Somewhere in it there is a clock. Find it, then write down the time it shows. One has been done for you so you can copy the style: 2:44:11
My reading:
7:13:16
